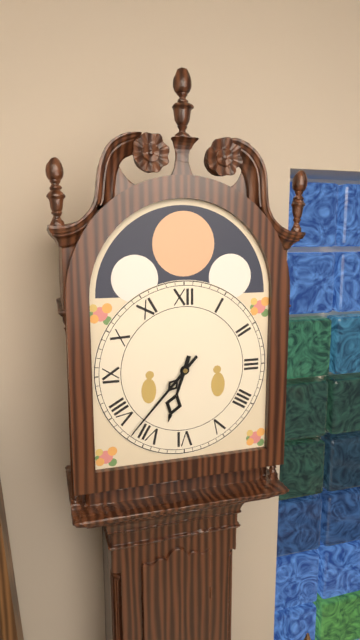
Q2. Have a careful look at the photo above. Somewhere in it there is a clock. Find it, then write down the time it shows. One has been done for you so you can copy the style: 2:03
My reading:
6:37
